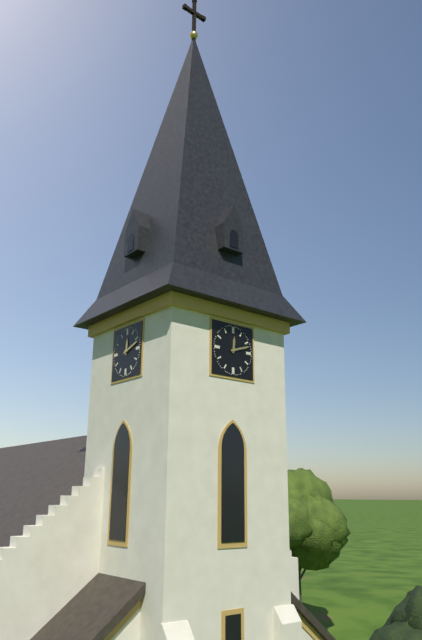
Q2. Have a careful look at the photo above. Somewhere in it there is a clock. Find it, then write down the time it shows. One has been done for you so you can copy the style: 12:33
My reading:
12:12
